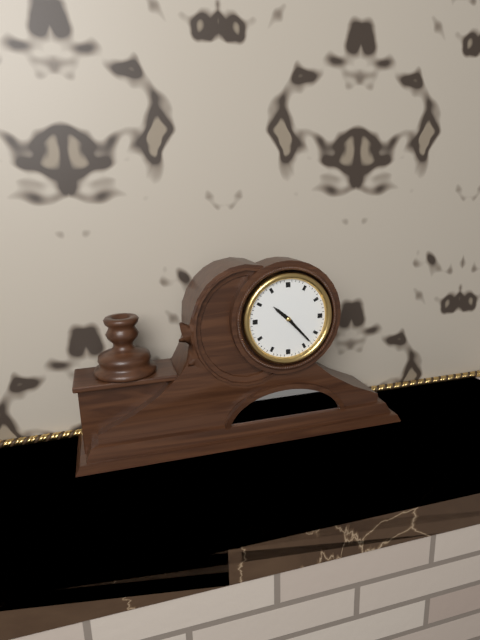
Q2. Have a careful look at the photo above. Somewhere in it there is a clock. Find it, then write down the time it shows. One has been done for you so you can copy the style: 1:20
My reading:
10:23
